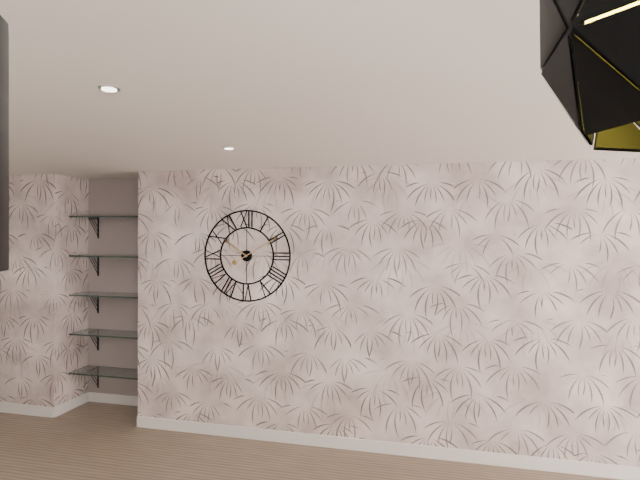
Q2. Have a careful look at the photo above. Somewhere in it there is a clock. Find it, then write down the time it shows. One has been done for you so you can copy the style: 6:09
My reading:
10:10
